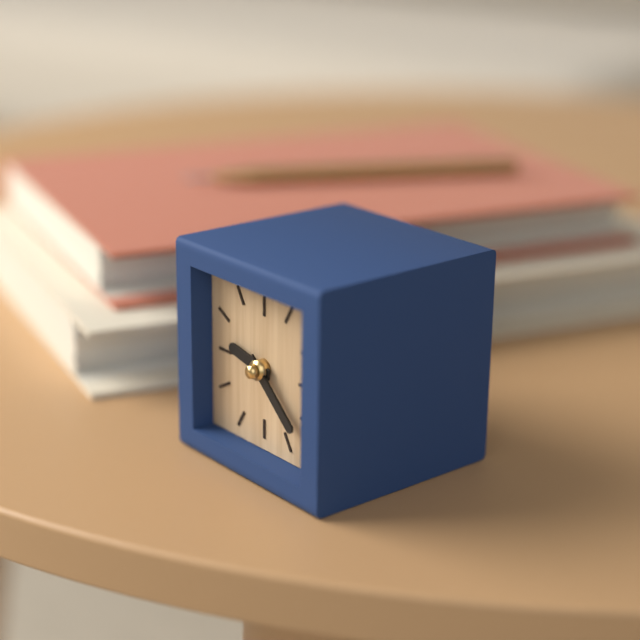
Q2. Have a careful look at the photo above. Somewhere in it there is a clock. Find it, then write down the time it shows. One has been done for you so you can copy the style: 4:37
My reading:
9:22
